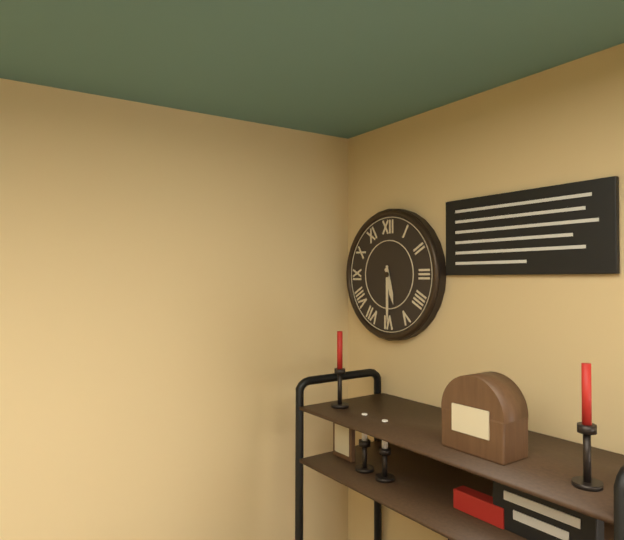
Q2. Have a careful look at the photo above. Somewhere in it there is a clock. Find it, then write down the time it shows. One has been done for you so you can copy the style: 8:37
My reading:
5:30
